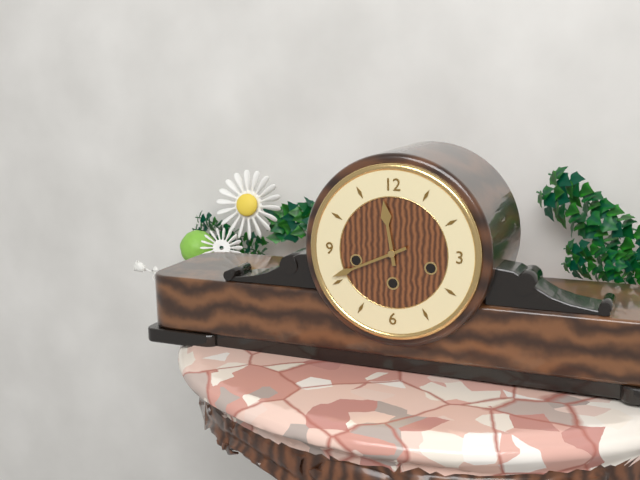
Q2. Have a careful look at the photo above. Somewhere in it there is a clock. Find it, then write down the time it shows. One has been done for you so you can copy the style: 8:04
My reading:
11:41
